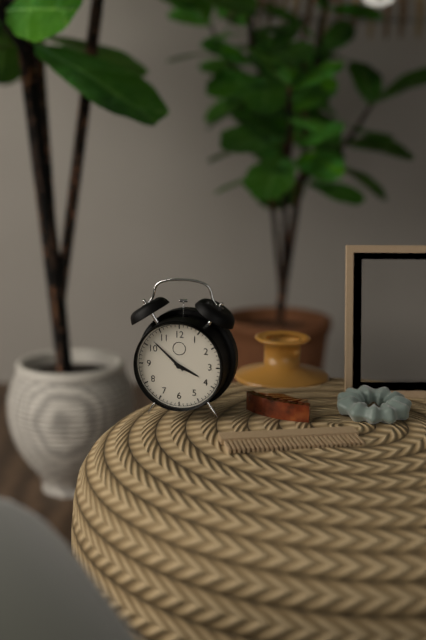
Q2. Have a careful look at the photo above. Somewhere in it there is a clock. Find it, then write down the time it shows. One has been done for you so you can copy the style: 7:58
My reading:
3:52
